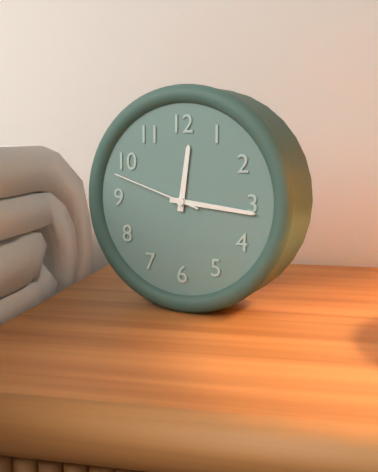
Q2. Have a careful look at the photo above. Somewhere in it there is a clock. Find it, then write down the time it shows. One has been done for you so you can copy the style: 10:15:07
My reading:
12:16:48
